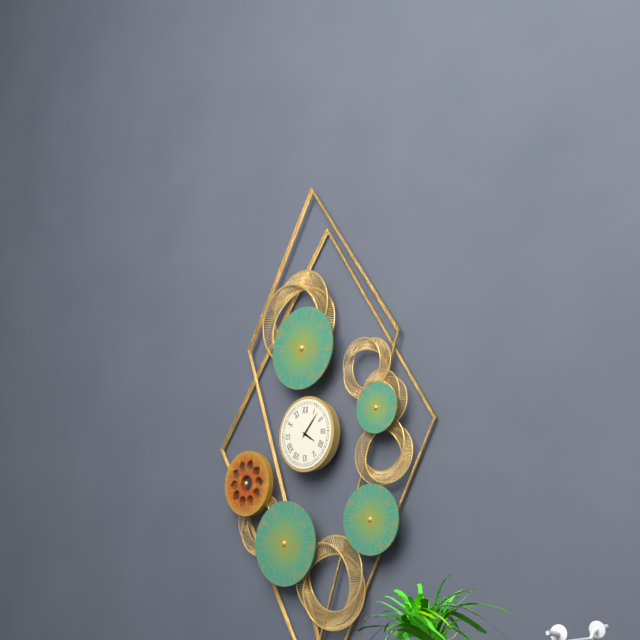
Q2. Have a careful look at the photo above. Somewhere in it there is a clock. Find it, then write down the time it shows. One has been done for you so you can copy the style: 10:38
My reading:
4:07
